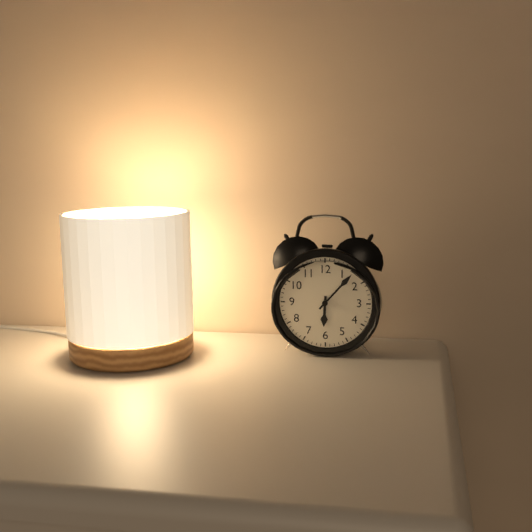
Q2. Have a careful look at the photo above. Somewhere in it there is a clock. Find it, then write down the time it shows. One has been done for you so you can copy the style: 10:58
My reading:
6:07
